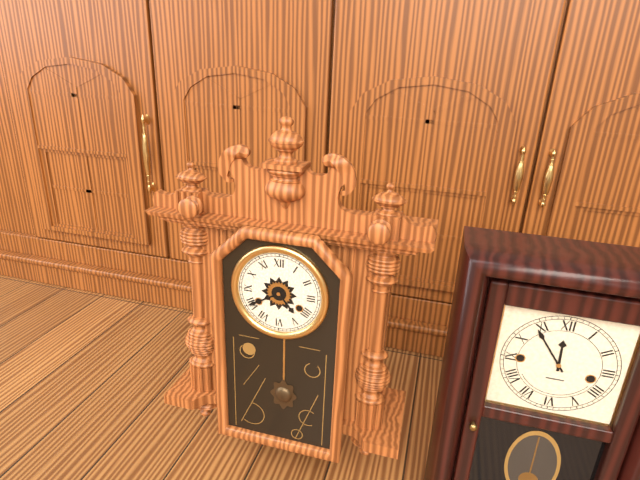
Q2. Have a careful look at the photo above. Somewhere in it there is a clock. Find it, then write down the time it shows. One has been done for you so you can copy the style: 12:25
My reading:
4:40
